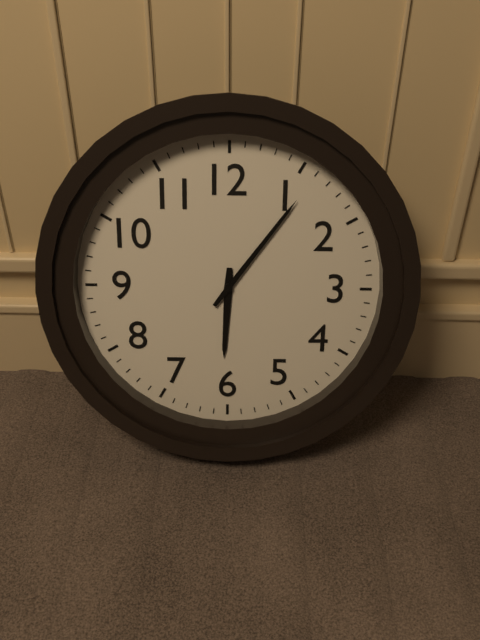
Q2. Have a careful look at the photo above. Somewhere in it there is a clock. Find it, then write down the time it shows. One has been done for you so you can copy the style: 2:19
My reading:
6:06
